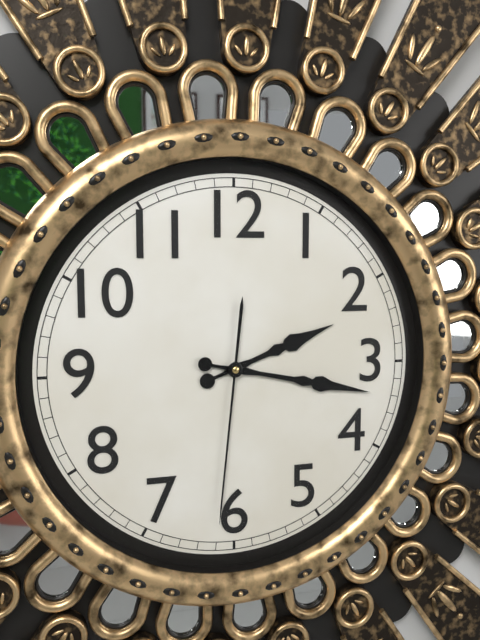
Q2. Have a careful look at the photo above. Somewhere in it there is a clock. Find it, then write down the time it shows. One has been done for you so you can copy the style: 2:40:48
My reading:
2:17:31
